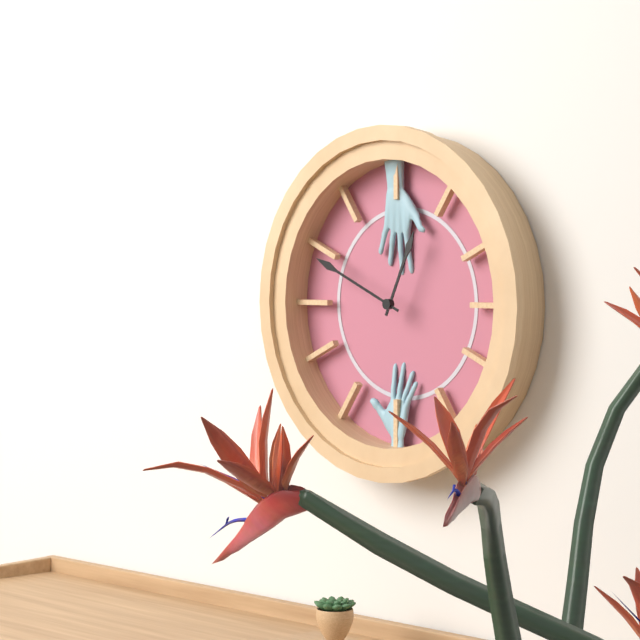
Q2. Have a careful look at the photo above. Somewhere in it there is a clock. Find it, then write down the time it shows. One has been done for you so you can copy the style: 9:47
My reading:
12:49
